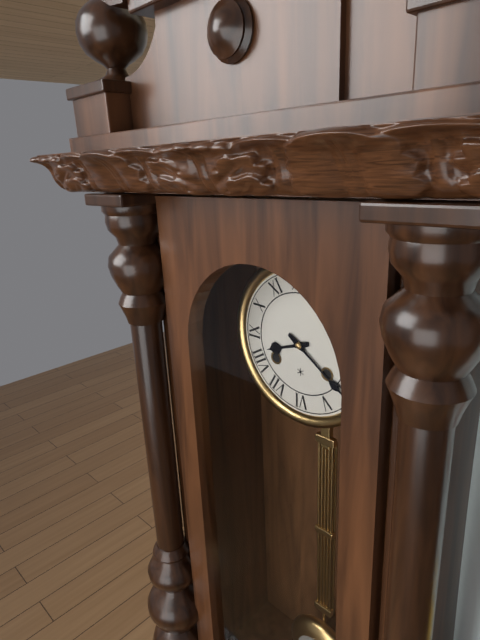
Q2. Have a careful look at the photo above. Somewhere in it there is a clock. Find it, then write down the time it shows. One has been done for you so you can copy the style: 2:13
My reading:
8:21
